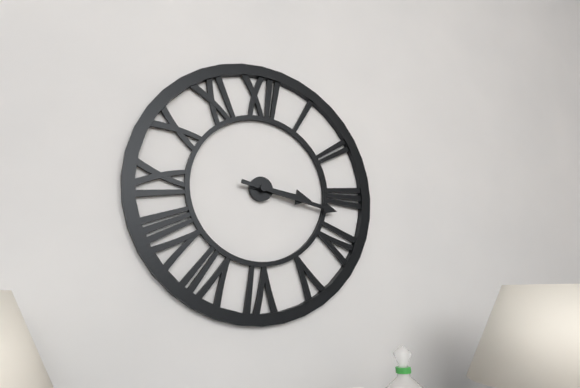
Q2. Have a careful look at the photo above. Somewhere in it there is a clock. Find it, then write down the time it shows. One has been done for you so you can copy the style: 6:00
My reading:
3:17
